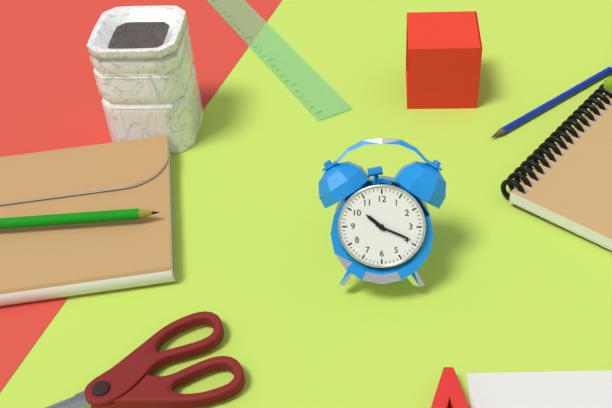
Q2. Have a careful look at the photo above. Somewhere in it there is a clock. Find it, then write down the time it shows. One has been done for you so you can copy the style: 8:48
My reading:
10:19
